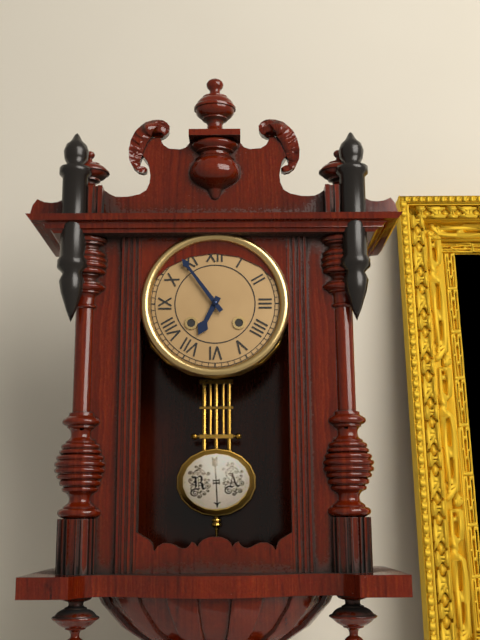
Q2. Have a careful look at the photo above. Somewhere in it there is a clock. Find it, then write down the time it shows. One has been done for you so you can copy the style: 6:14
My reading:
6:54
